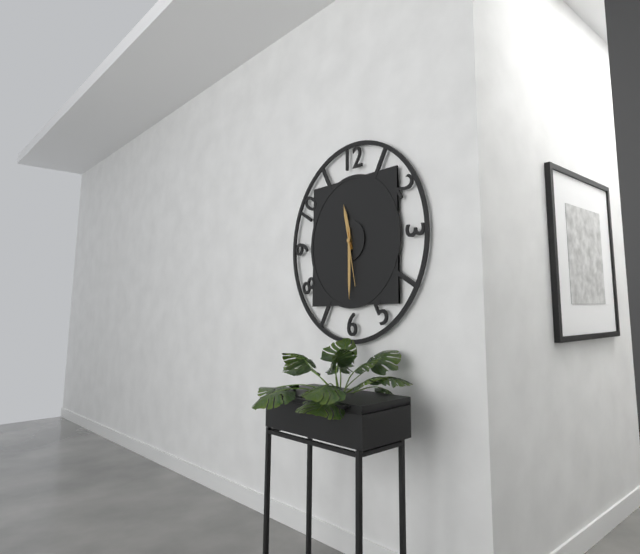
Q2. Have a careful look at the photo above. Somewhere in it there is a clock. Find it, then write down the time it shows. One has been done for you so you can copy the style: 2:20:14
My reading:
11:30:28
